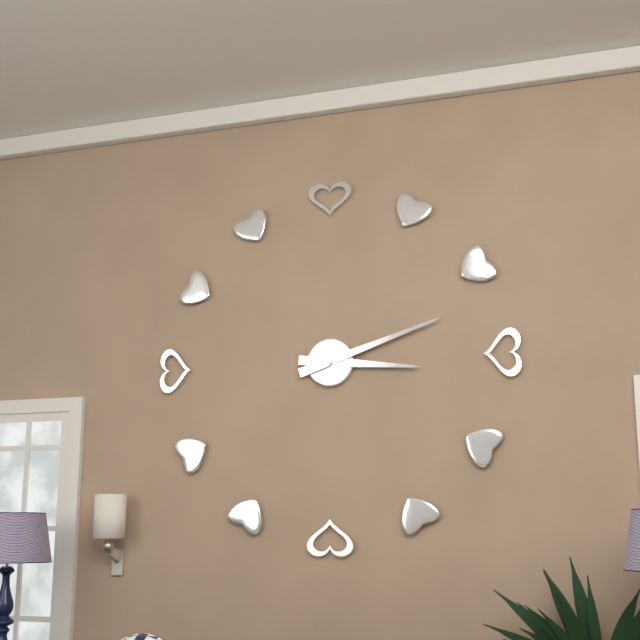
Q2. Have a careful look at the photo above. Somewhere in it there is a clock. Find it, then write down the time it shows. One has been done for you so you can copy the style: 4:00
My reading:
3:12
